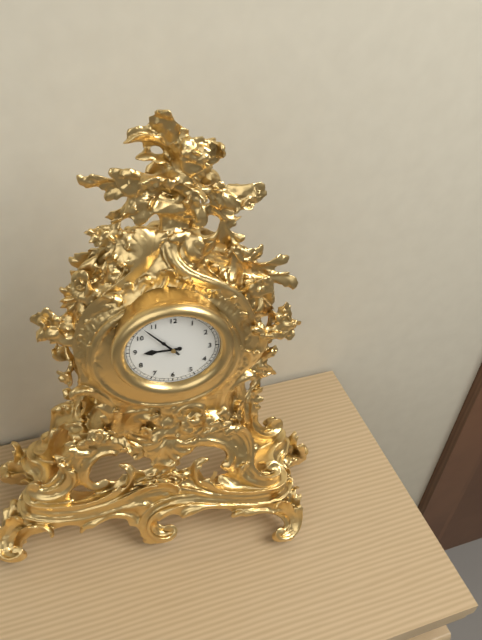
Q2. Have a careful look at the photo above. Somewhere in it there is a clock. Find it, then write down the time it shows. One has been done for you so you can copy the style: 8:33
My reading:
8:53
